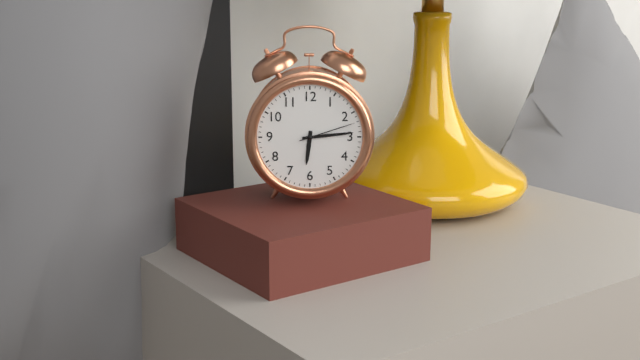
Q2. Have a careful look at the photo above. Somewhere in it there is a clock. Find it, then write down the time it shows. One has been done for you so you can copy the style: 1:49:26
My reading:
6:14:12
